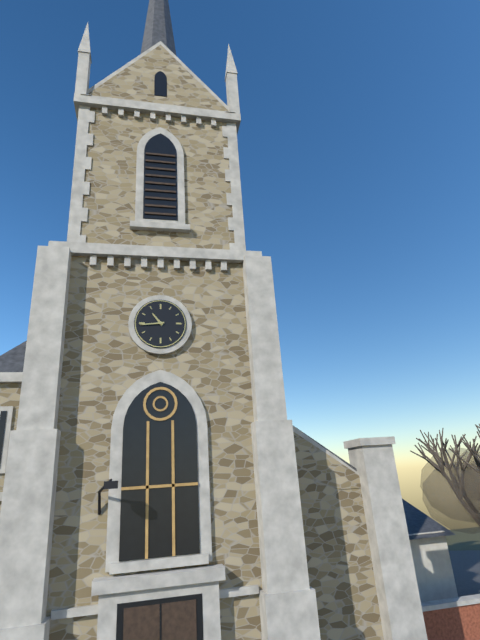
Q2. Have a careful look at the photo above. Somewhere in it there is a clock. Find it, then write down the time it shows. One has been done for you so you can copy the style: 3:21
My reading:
10:44
